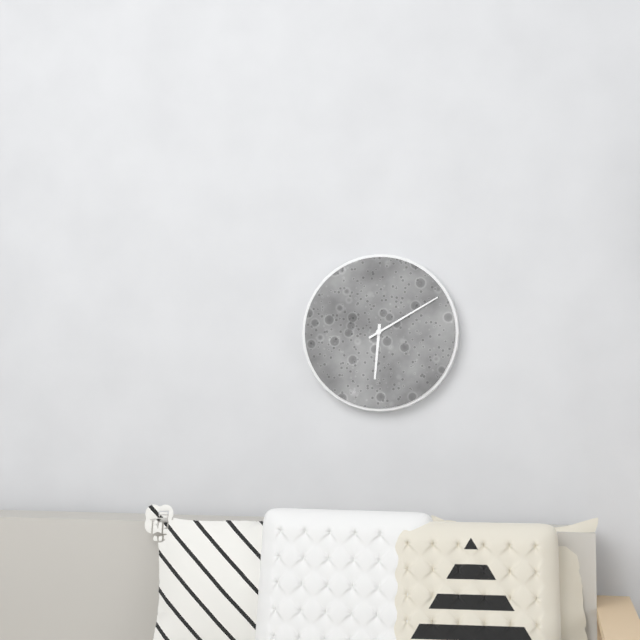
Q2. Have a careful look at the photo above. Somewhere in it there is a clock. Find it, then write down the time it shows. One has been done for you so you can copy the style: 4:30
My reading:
6:10
